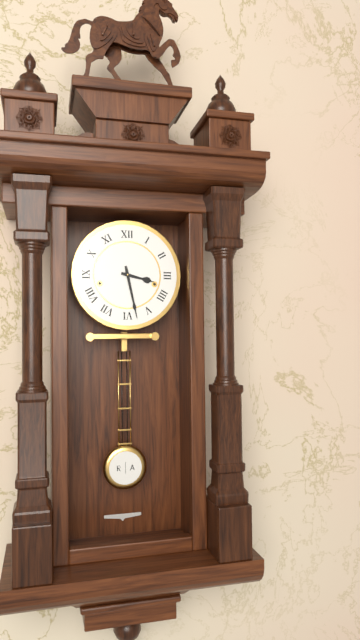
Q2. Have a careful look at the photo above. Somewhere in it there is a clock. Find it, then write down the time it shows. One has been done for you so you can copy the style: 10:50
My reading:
3:28
